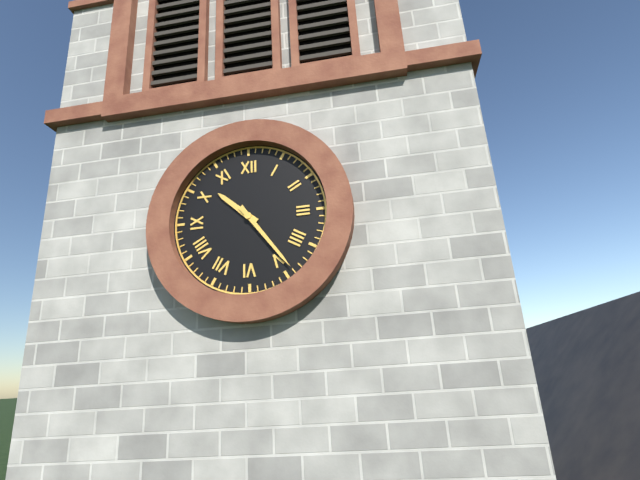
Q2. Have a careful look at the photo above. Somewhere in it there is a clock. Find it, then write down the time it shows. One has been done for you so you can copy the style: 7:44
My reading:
10:24
